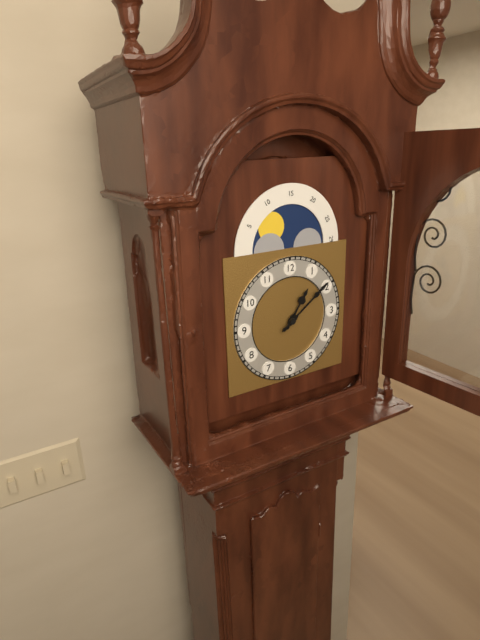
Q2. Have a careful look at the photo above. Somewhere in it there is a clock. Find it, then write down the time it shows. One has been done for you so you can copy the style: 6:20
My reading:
1:09
